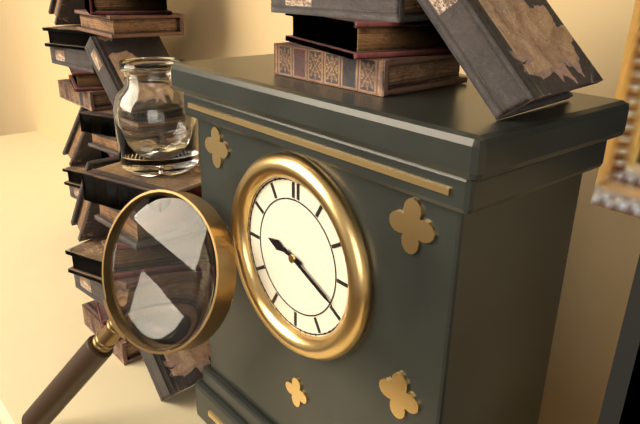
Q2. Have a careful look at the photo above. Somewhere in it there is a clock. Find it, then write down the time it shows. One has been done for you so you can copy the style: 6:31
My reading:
9:19
